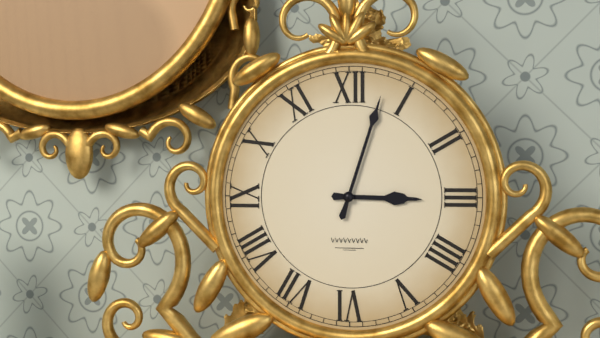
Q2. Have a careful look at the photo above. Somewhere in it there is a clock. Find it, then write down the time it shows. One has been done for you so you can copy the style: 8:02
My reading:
3:03
